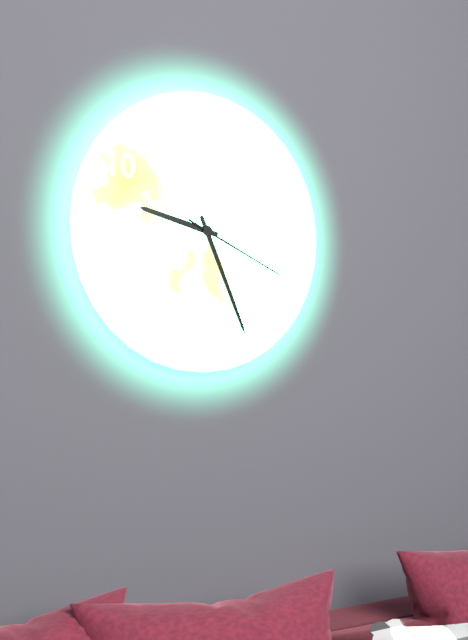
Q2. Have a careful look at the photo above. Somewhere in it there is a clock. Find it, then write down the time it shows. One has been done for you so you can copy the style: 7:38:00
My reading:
9:26:19
